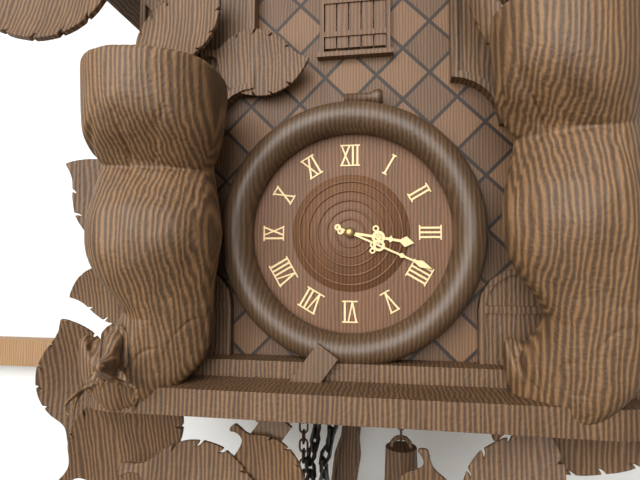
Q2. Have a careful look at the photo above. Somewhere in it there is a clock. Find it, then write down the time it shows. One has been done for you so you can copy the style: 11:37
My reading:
3:19
